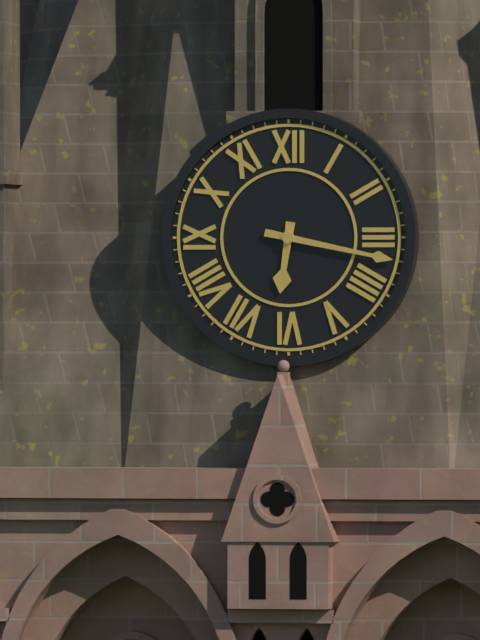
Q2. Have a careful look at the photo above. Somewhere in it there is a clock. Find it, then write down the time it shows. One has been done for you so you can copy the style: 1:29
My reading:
6:17
